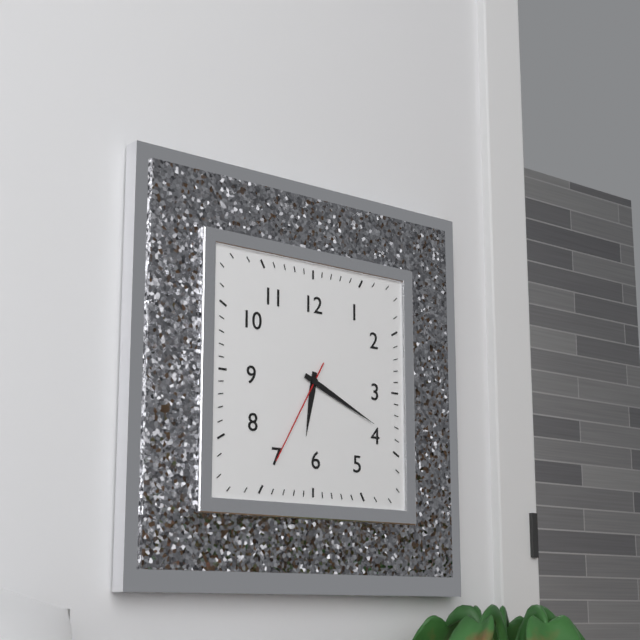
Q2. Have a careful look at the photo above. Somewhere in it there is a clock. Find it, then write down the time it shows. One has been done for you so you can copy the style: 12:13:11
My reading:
6:19:35
